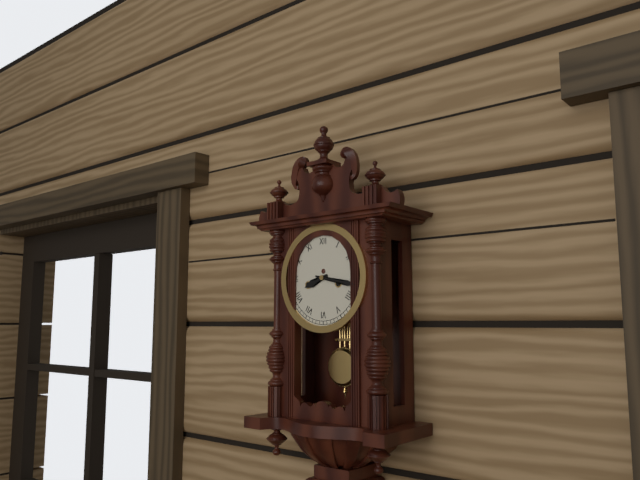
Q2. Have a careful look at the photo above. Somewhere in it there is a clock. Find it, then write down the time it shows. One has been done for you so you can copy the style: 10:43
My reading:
8:17
